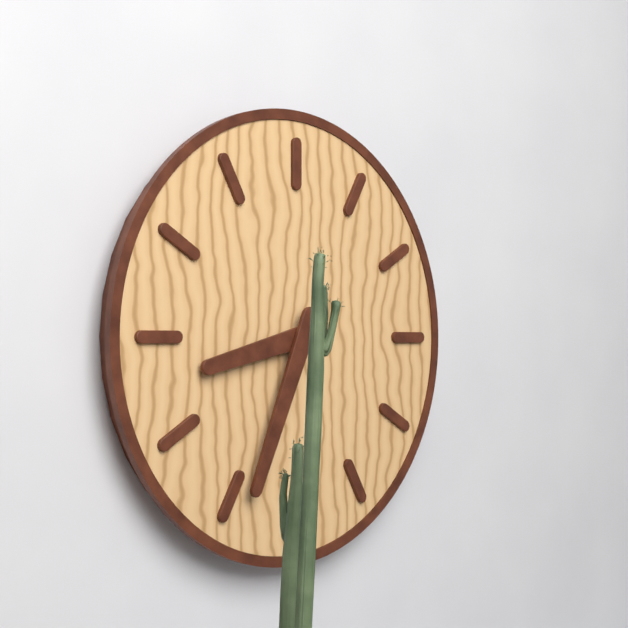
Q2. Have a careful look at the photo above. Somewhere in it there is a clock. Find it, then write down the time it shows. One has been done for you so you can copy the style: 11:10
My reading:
8:34
